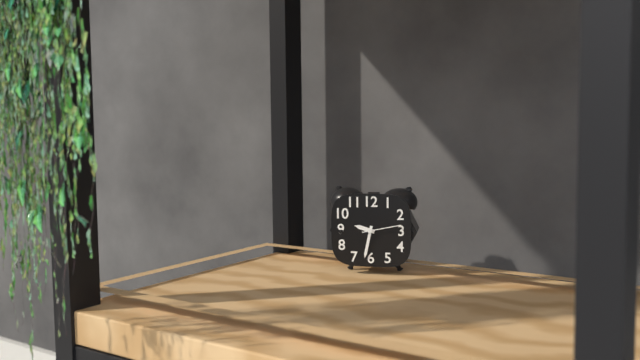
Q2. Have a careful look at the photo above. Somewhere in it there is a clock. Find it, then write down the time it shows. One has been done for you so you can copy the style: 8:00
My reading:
9:32
